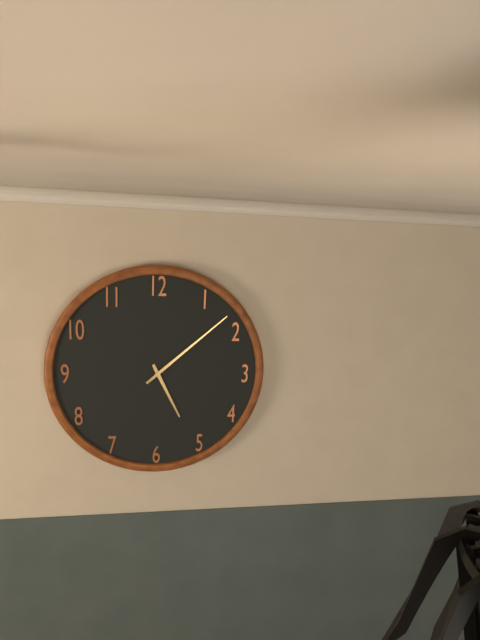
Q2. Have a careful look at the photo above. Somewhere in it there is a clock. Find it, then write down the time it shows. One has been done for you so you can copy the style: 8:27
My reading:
5:08
